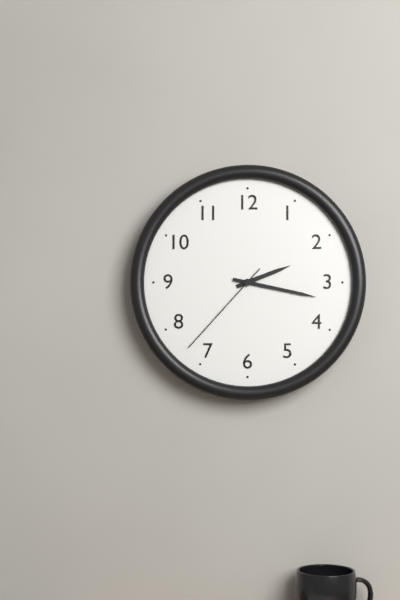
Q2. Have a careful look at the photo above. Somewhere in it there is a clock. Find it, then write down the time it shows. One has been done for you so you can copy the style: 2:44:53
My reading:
2:17:37
